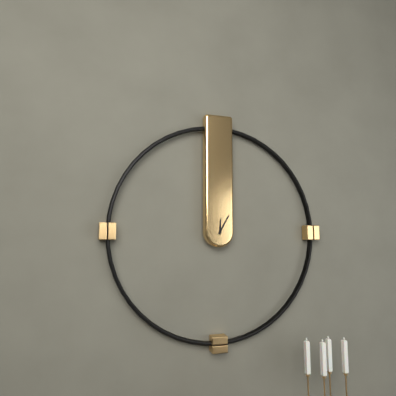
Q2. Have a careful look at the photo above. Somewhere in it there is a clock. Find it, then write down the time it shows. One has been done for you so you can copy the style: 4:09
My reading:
12:05
